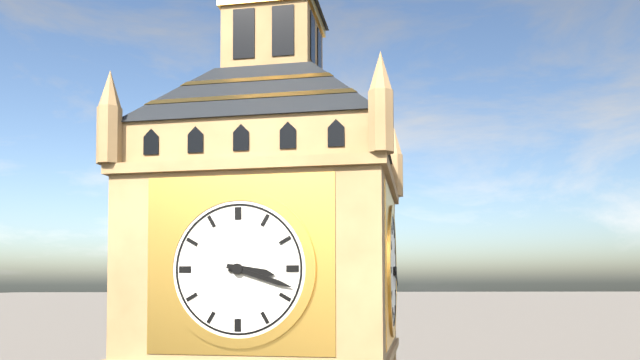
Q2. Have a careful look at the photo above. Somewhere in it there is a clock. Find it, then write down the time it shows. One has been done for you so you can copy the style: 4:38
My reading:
3:18
